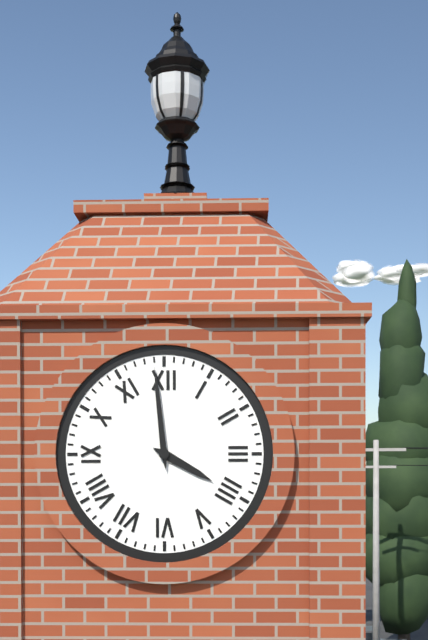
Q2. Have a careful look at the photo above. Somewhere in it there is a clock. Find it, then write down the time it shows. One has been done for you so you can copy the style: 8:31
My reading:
3:59
